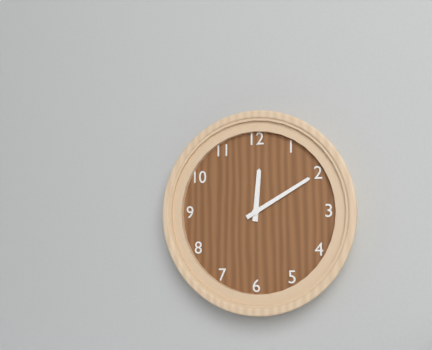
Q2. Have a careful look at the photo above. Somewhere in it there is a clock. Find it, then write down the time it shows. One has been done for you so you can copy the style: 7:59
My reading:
12:10
